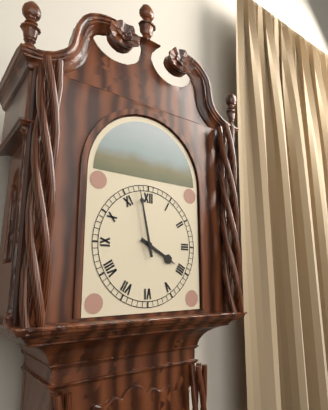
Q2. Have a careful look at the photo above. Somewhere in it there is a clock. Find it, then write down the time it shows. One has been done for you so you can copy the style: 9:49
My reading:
3:58
